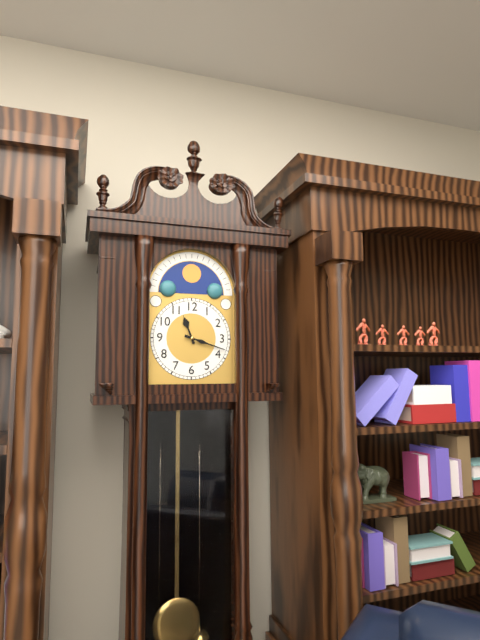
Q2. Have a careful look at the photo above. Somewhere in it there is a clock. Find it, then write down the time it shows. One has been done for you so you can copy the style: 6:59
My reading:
11:18
